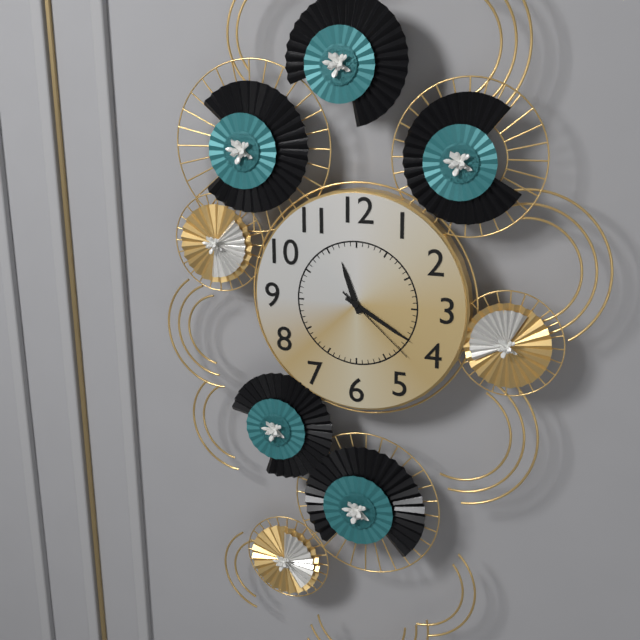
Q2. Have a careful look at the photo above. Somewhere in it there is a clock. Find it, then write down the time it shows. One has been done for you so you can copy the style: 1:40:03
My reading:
11:20:22
